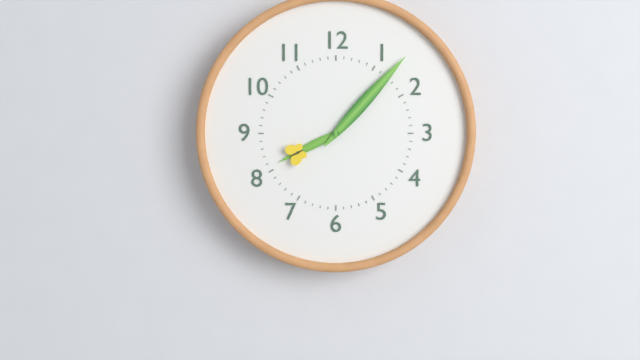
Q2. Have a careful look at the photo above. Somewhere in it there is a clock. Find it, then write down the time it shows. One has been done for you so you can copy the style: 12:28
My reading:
8:07
